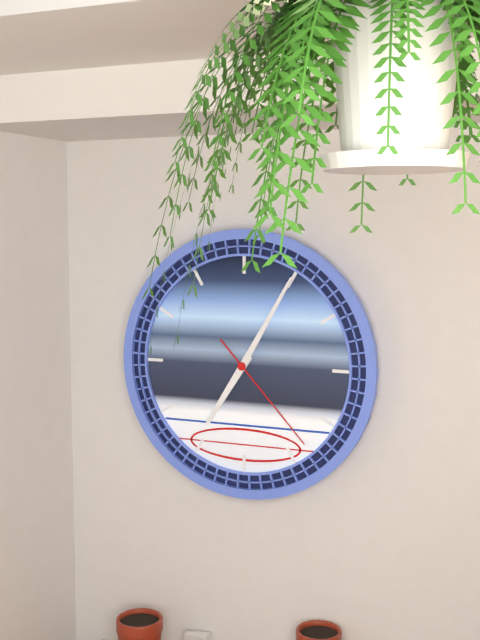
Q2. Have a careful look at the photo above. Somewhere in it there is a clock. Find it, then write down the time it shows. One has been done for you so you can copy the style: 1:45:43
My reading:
7:05:23
